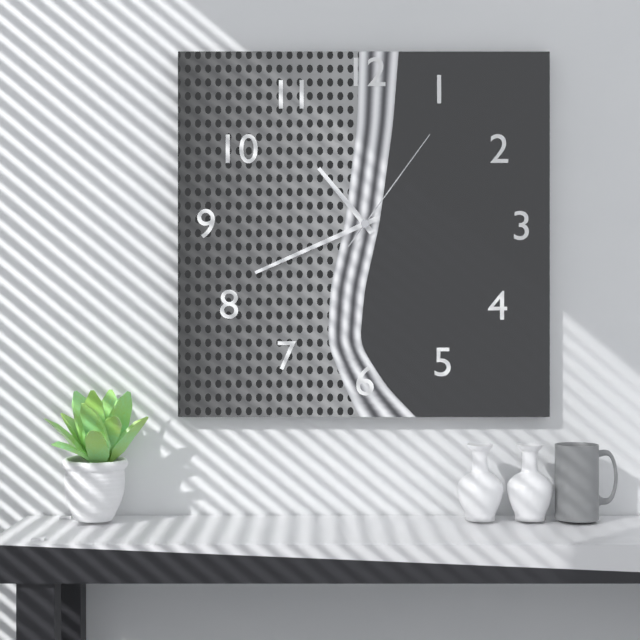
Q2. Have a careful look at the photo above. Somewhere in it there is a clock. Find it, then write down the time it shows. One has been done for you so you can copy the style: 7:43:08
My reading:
10:41:06
